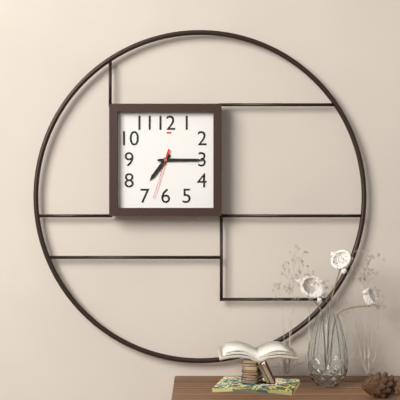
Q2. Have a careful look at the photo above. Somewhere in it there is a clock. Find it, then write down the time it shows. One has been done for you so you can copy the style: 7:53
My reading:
7:15
